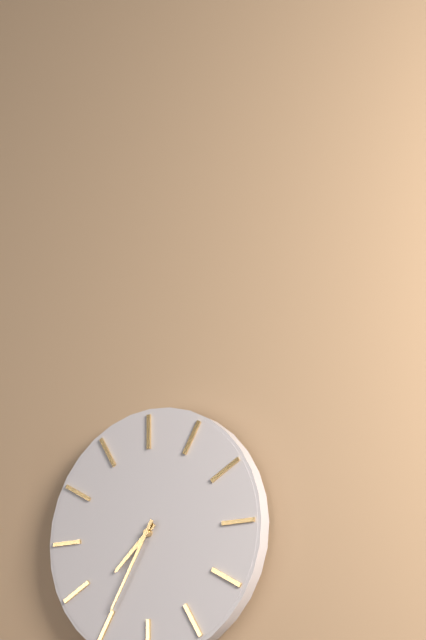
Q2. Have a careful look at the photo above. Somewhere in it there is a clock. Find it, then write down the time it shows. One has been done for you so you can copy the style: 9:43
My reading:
7:35
